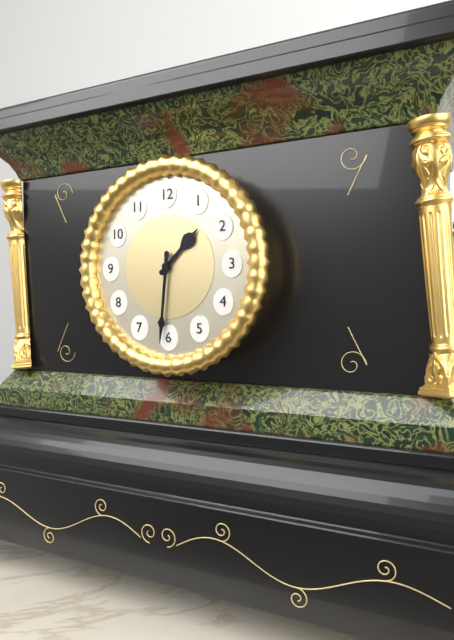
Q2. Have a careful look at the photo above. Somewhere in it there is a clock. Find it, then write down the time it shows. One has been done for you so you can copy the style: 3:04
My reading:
1:31
